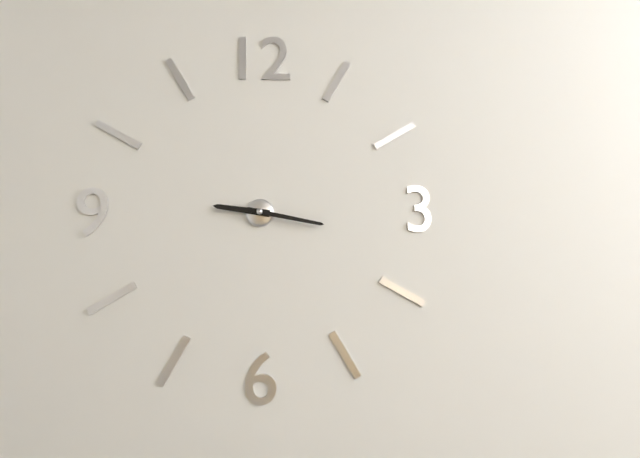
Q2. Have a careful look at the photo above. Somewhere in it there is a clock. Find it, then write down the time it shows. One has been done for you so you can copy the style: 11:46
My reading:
9:17
